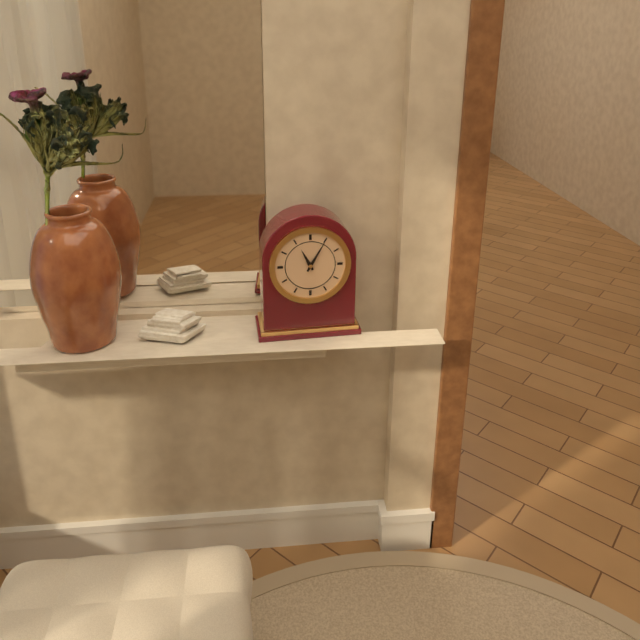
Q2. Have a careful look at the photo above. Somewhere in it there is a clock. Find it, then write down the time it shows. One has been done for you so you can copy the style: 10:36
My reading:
11:05
